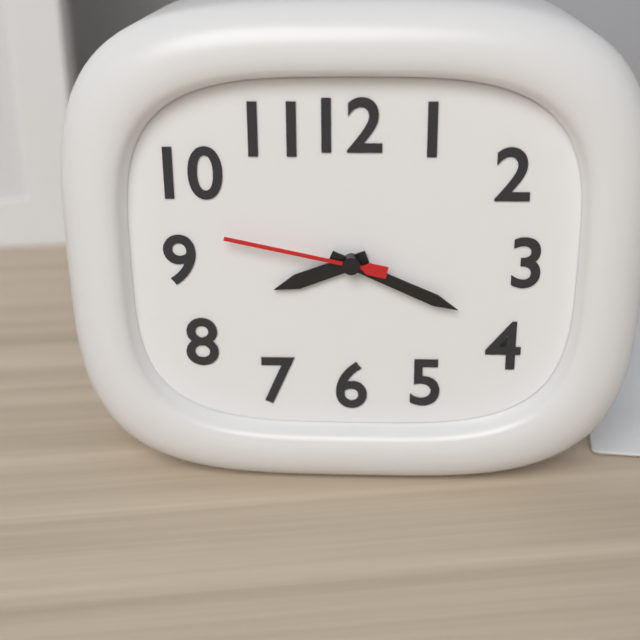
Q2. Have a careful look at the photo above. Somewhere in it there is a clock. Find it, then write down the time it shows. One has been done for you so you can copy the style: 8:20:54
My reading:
8:19:47
